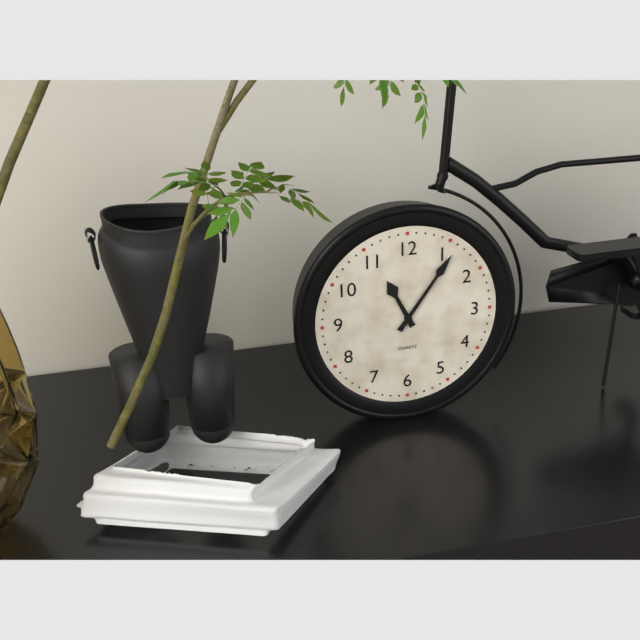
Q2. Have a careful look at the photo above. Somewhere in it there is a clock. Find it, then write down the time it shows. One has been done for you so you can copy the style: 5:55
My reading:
11:06
